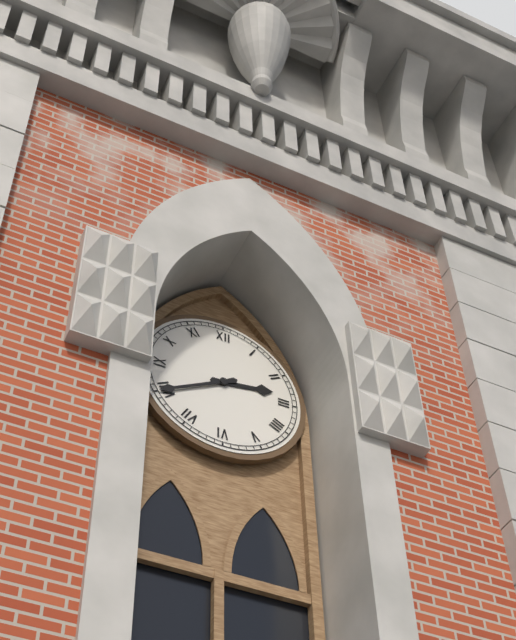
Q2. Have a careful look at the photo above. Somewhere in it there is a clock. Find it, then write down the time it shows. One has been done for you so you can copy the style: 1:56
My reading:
2:40
